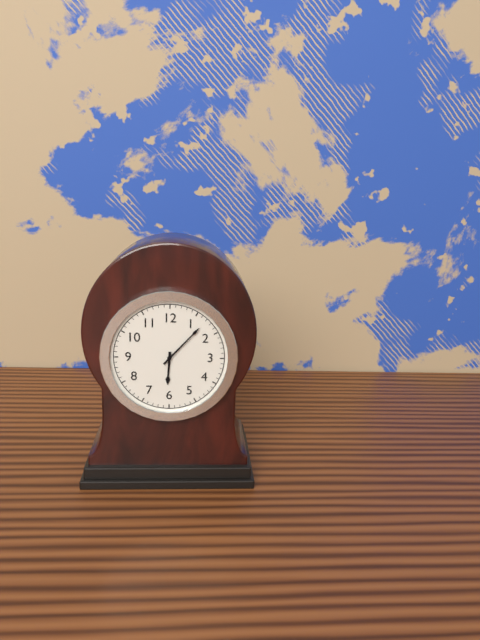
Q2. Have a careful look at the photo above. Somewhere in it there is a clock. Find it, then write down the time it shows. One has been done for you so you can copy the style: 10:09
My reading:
6:07
